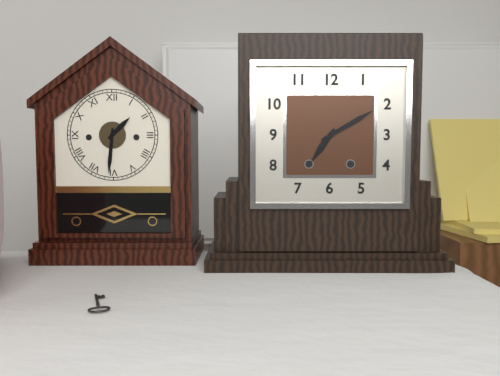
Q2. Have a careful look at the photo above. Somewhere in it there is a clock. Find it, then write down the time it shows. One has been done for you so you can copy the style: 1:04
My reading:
7:10
